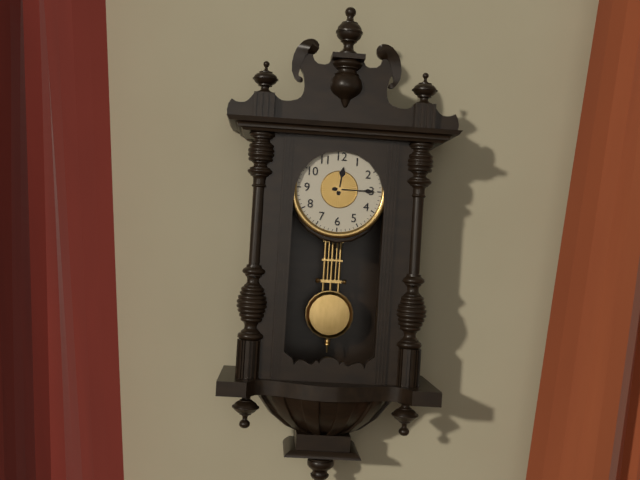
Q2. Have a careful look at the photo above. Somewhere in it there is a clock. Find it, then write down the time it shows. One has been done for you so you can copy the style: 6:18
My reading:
12:15
